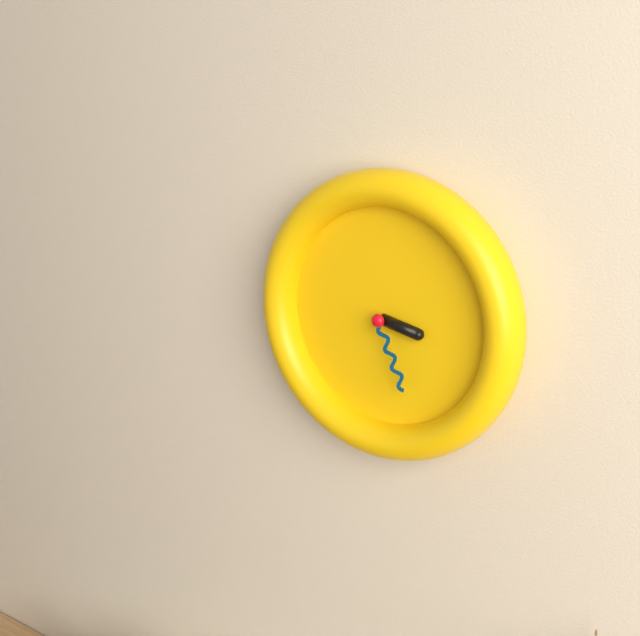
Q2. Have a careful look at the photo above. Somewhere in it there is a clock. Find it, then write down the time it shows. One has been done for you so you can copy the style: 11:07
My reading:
3:26
